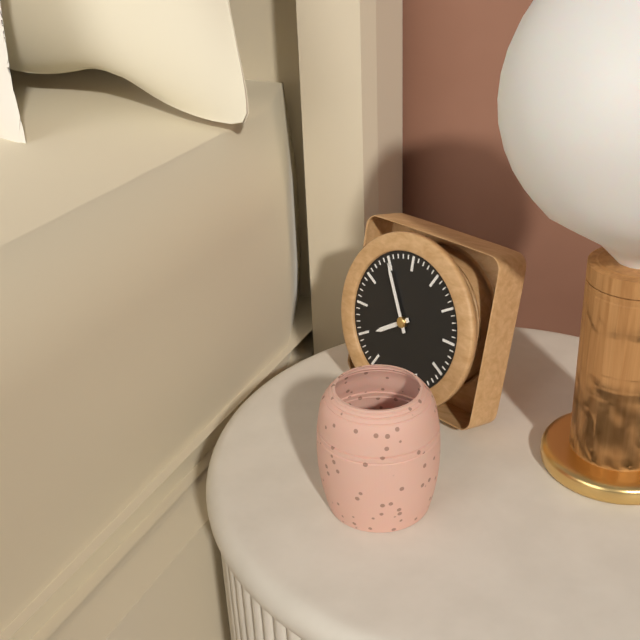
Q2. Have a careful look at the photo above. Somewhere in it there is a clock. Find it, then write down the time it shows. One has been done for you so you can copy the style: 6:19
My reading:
7:55
